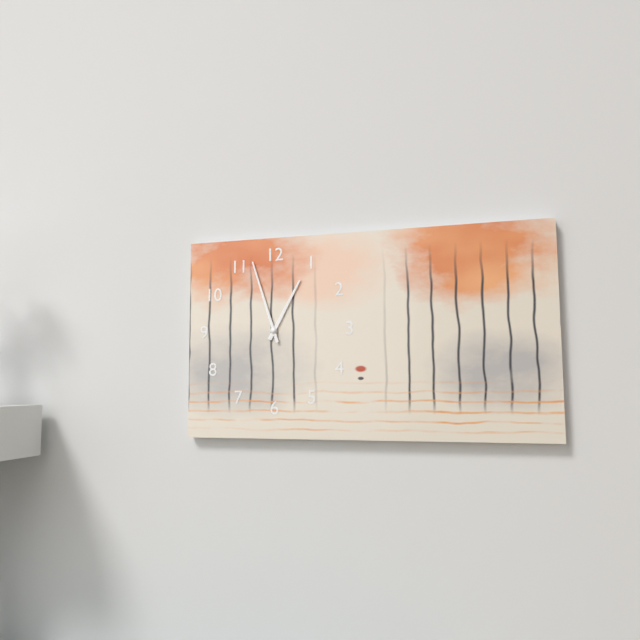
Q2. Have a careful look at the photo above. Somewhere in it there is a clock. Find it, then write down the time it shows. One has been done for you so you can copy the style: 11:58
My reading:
12:57
